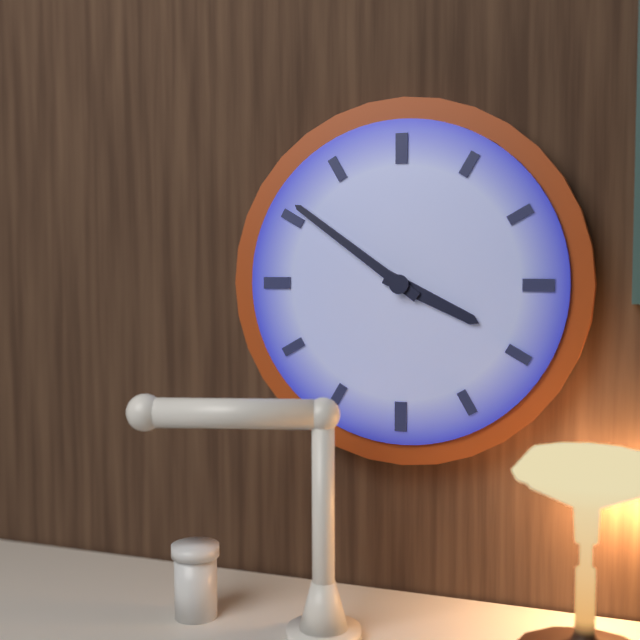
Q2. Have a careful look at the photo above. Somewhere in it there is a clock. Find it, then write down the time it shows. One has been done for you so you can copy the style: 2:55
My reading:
3:51
